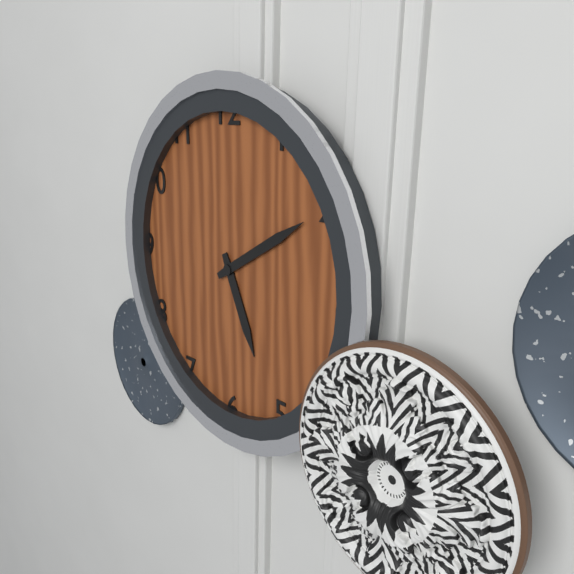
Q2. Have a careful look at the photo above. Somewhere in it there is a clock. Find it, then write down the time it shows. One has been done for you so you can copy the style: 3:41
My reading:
5:10
